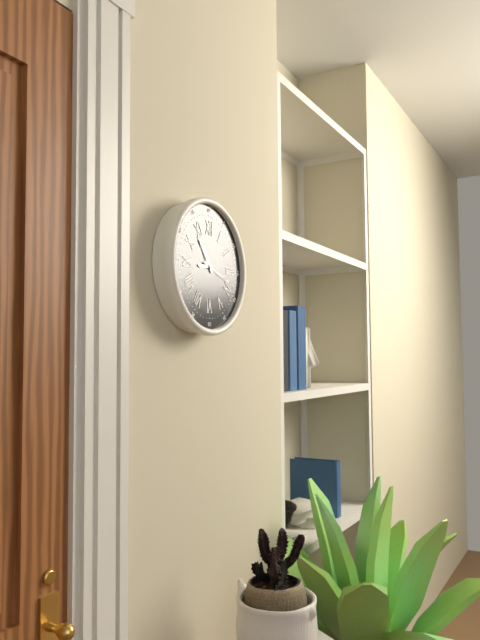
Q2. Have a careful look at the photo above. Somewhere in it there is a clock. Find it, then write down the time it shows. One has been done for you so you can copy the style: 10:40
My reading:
8:54
